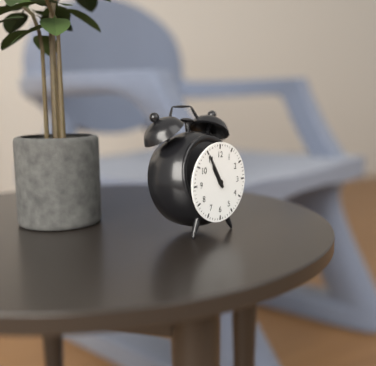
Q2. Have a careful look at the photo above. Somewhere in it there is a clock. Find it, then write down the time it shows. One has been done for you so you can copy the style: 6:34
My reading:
10:55
